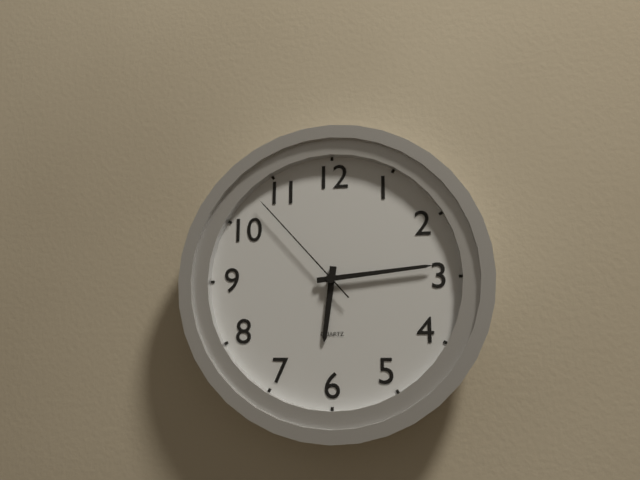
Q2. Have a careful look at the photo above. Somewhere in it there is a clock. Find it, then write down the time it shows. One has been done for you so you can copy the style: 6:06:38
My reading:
6:14:53
